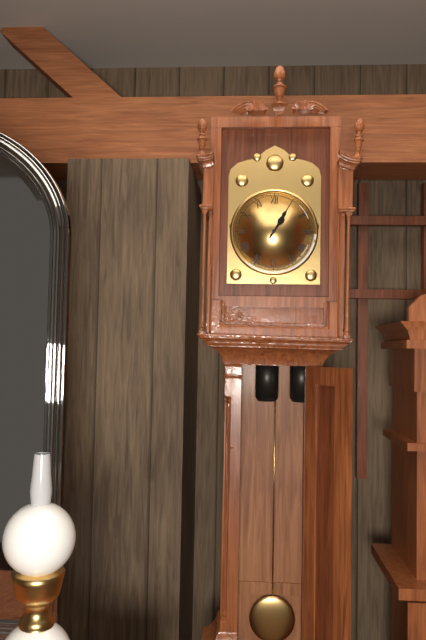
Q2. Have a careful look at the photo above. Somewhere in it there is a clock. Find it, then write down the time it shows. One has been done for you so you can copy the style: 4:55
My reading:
1:05
